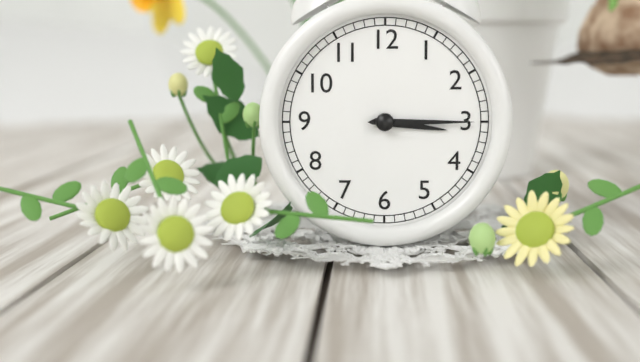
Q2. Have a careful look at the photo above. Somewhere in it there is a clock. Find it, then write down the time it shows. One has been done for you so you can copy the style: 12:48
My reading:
3:15
